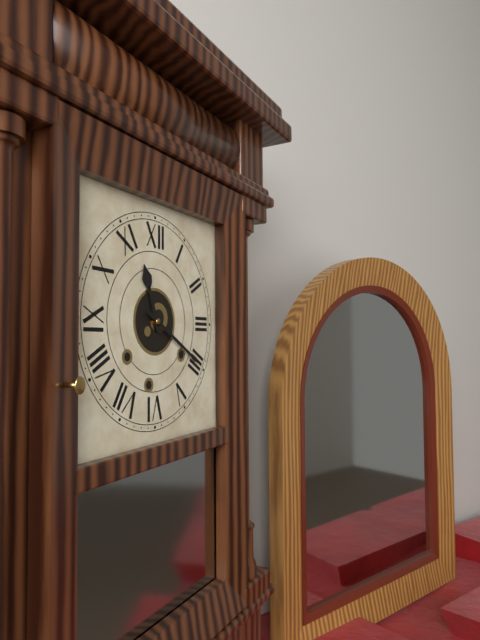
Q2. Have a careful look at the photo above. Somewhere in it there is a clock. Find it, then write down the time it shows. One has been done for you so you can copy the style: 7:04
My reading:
11:20
